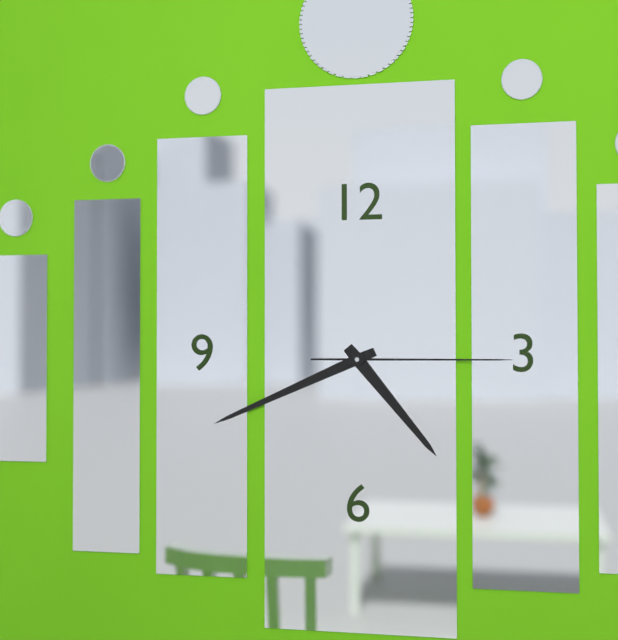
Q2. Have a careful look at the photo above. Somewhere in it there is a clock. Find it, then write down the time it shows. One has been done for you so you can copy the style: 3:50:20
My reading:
4:41:15
